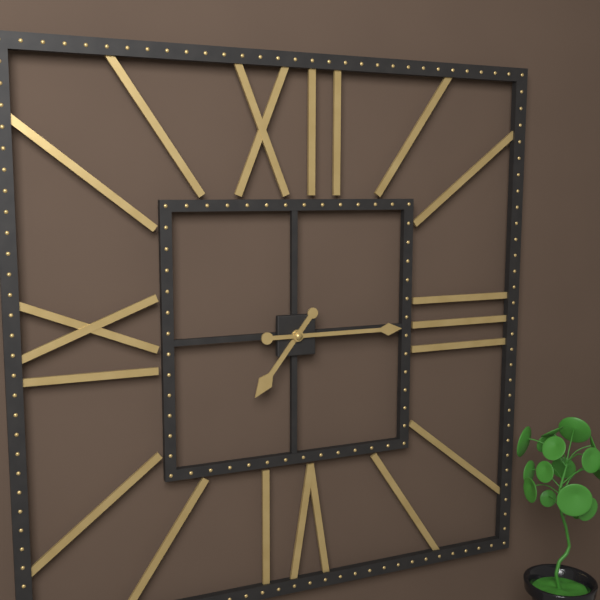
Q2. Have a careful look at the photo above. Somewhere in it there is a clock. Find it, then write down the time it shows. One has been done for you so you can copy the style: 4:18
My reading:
7:15
